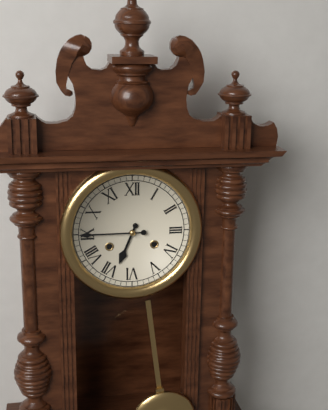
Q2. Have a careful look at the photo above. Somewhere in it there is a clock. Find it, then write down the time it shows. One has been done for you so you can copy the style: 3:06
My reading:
6:45
